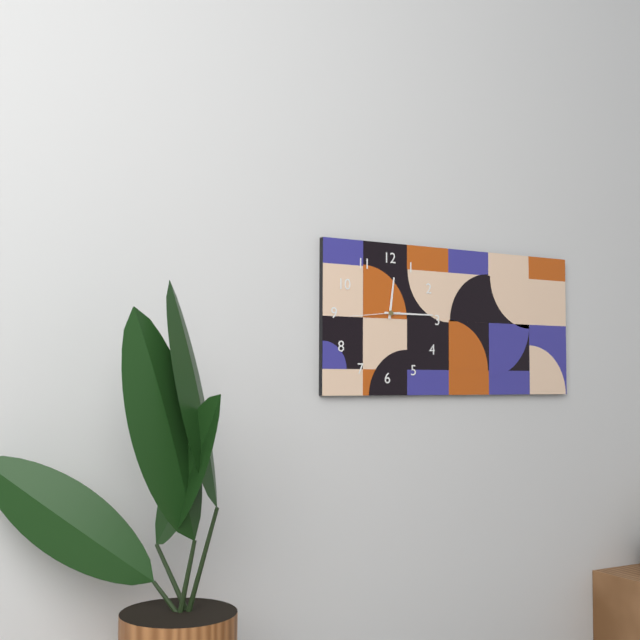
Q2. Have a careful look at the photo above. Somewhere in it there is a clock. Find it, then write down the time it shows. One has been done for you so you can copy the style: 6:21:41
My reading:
12:15:44
